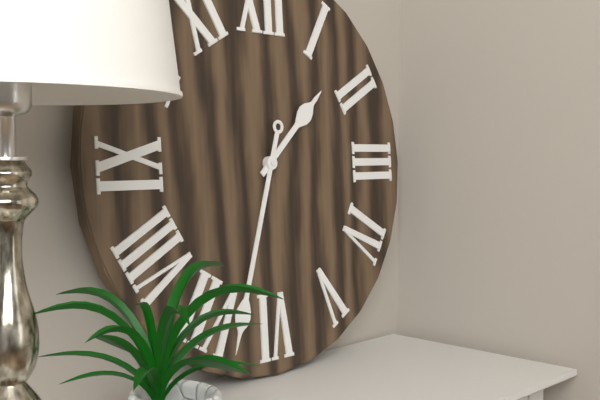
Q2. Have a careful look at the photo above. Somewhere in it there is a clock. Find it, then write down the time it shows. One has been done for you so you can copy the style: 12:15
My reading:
1:33
